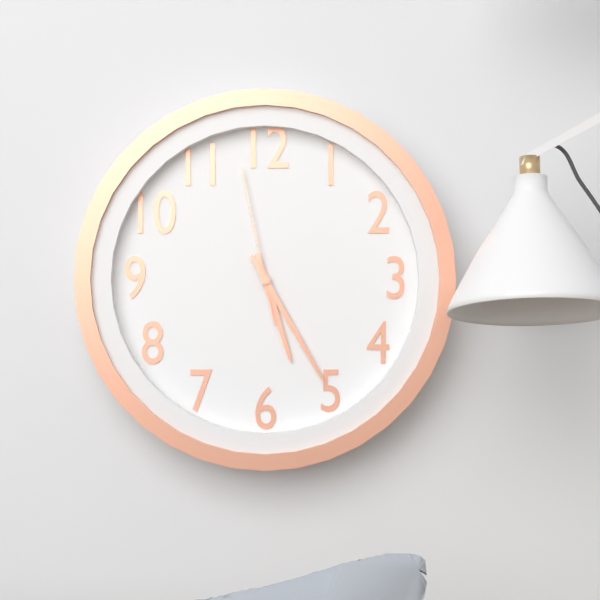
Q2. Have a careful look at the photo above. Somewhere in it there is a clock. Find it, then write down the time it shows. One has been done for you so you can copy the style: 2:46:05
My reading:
5:25:58
